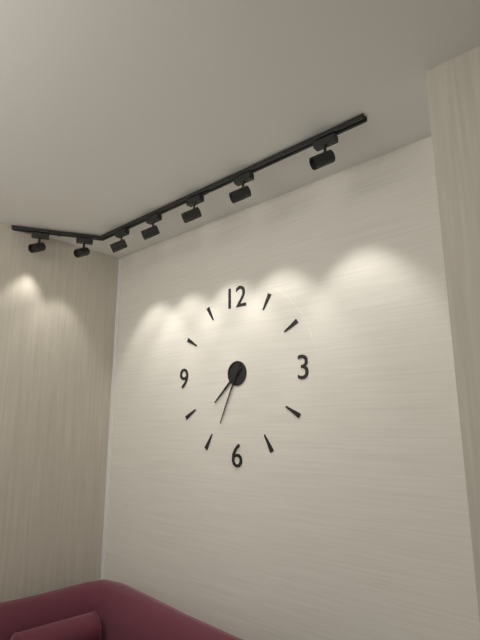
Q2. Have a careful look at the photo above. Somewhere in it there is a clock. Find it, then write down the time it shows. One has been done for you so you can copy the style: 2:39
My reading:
7:34
